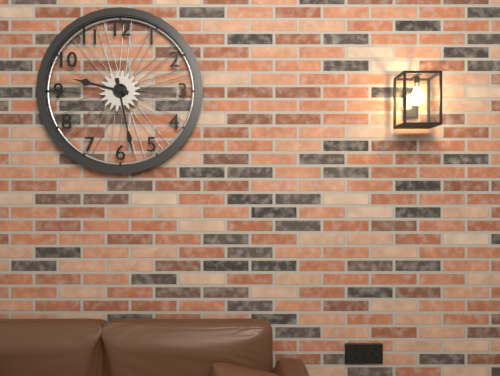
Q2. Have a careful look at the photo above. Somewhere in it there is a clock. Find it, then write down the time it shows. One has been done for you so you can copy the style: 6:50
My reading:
9:28
